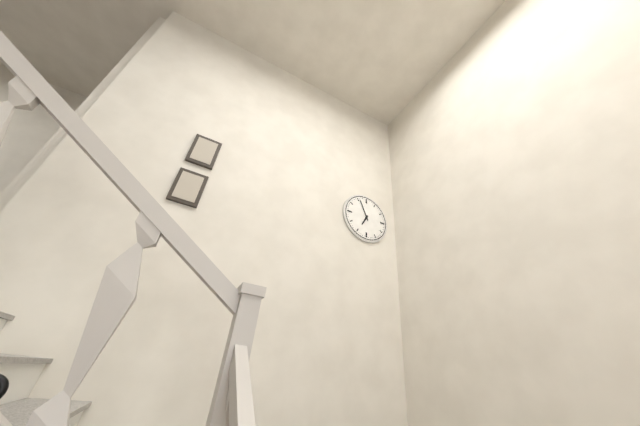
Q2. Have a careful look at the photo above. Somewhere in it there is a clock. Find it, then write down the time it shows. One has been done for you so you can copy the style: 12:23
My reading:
6:56
